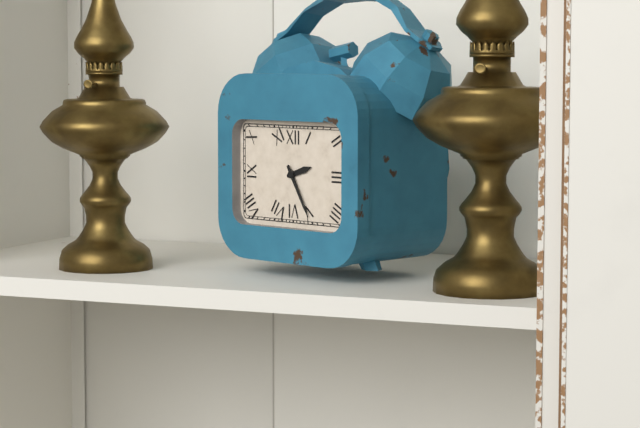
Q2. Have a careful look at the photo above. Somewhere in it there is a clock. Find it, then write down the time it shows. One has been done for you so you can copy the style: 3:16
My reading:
2:25
